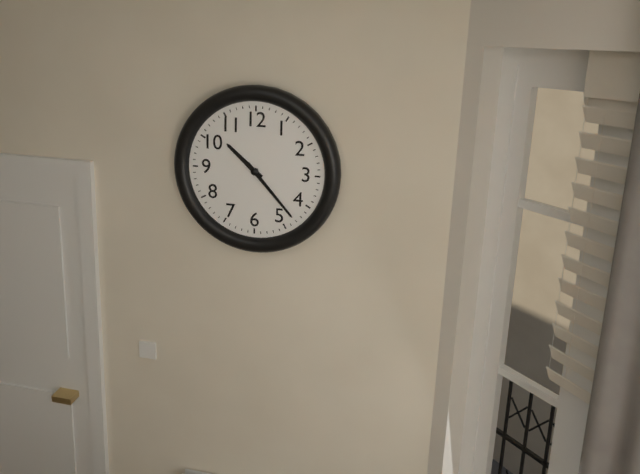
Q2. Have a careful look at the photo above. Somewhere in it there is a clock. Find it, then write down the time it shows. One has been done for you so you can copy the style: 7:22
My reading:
10:23
